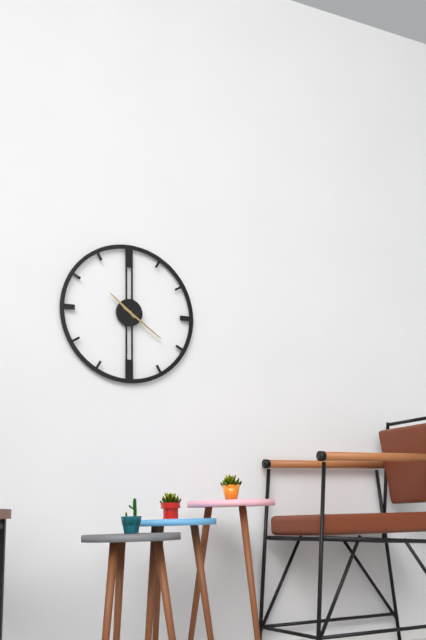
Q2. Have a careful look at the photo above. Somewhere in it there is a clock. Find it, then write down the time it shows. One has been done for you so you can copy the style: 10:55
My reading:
10:21
